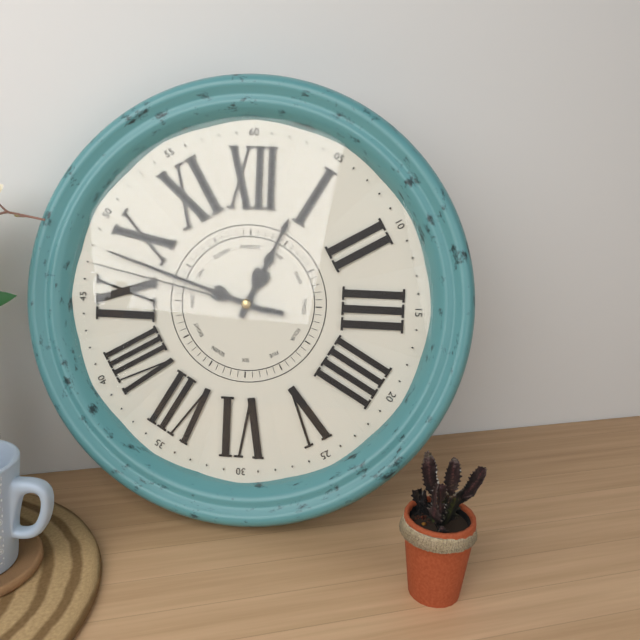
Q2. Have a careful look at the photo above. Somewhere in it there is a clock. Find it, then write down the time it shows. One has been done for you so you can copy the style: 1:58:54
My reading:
12:48:47
